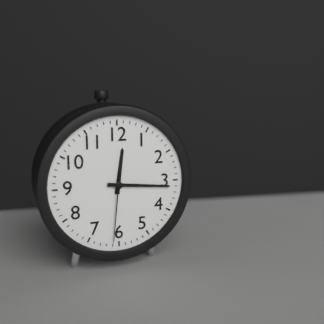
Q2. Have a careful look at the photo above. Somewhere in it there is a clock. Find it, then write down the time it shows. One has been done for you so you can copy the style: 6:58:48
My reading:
12:16:31
